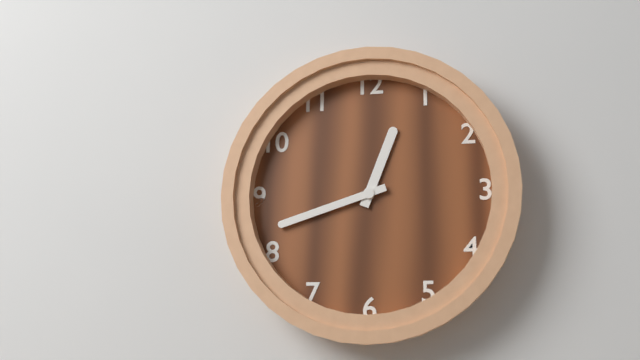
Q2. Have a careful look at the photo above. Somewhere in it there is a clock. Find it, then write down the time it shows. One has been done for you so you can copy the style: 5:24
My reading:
12:42
